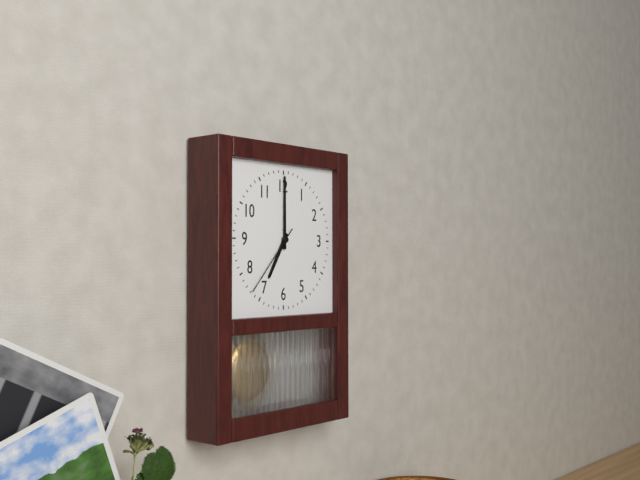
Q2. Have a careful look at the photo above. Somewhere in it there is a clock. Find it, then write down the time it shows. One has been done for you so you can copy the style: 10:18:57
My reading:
7:00:37
